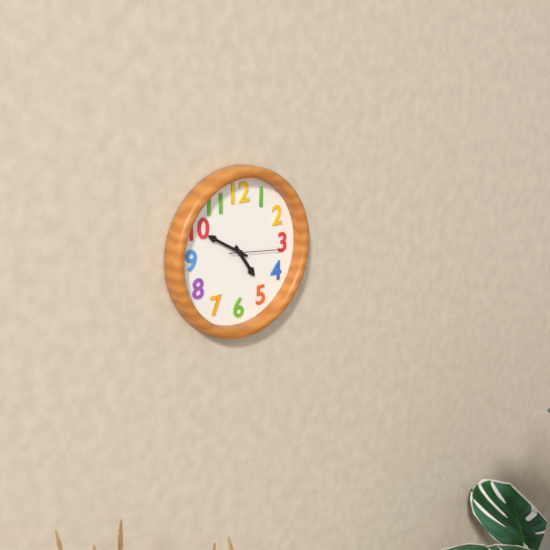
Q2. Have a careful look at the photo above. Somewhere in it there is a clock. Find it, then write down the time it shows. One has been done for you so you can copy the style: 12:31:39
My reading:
4:50:16
